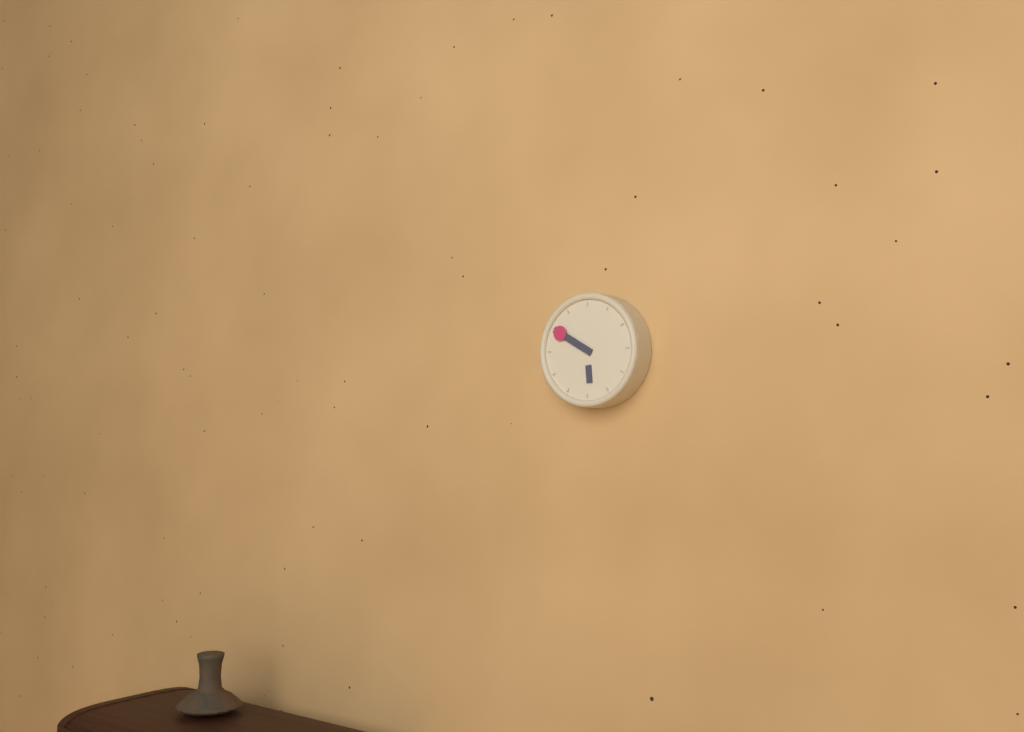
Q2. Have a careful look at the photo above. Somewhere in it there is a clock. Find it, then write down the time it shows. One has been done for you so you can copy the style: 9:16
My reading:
5:50
